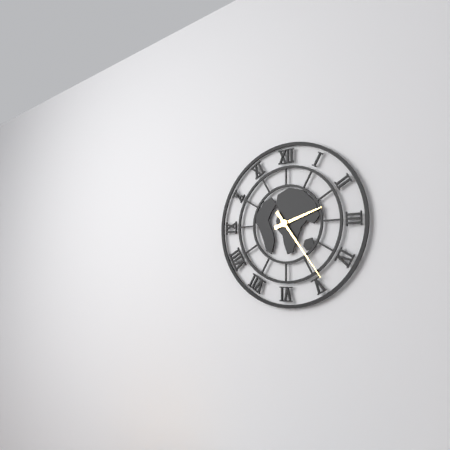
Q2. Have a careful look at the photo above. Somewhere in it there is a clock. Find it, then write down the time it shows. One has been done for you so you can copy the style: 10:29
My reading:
2:24
